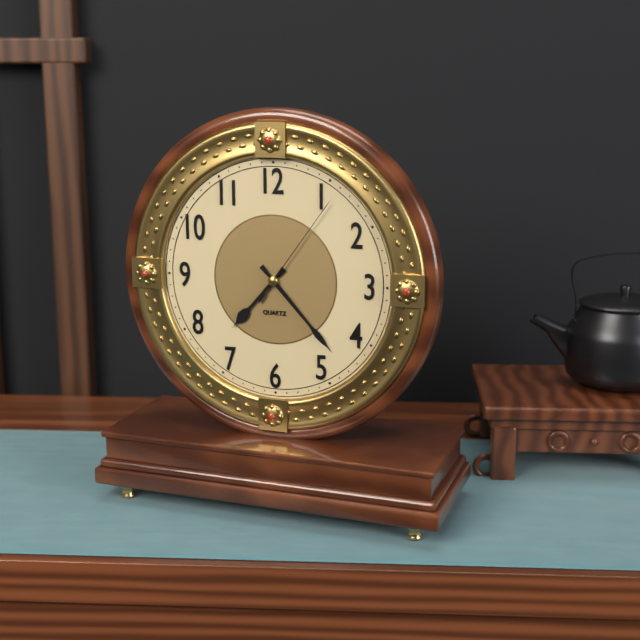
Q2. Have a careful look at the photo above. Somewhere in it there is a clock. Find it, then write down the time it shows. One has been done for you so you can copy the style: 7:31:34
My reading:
7:23:06
